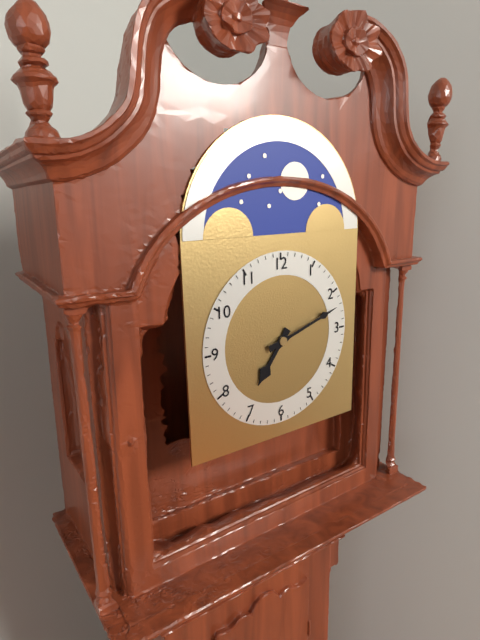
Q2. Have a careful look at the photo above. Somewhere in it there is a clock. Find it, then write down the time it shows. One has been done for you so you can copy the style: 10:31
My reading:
7:12
